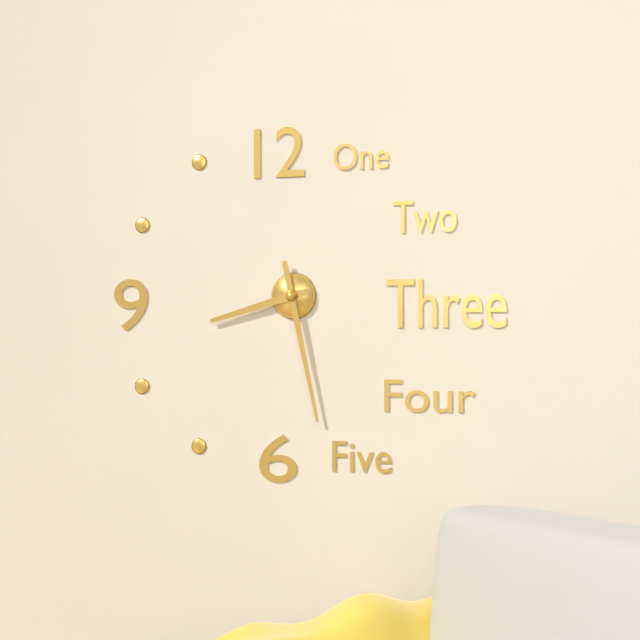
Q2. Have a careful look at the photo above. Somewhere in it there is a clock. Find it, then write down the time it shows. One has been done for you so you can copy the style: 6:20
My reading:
8:28
